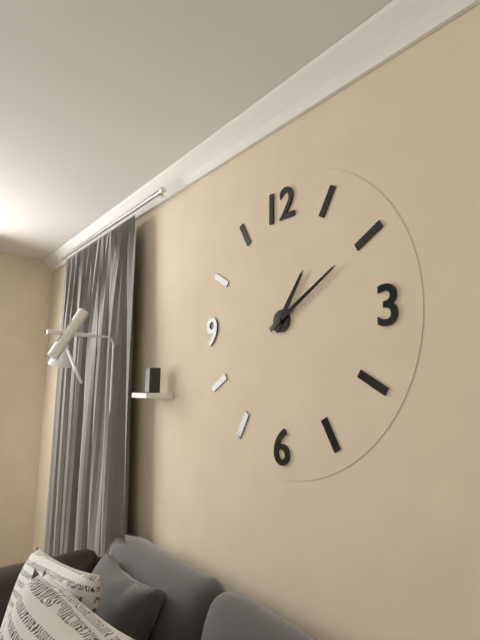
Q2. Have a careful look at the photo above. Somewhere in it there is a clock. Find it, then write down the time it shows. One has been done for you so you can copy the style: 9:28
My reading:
1:10
